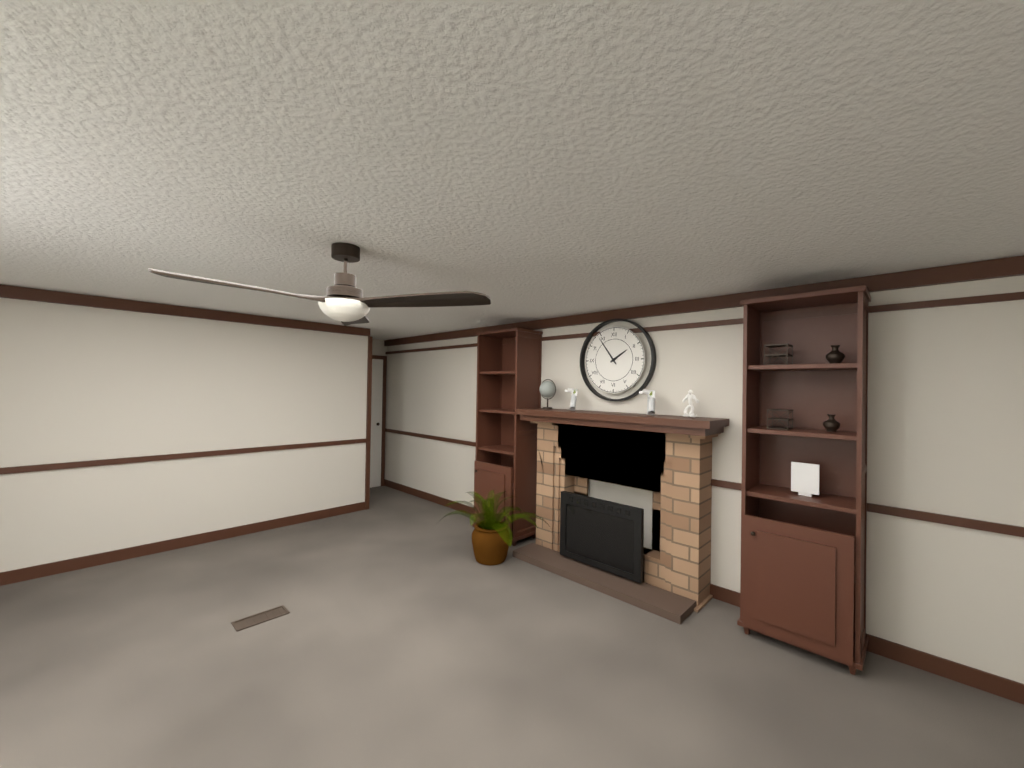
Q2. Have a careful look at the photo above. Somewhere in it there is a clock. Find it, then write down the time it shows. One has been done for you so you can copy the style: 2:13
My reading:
1:54
